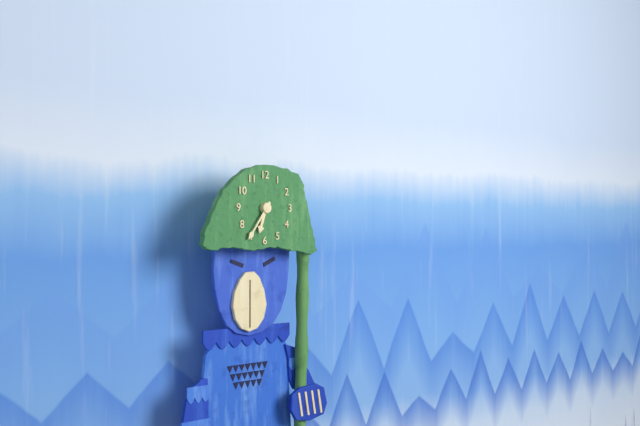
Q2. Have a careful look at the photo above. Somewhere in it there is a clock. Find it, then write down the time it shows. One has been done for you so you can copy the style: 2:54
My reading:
6:36
